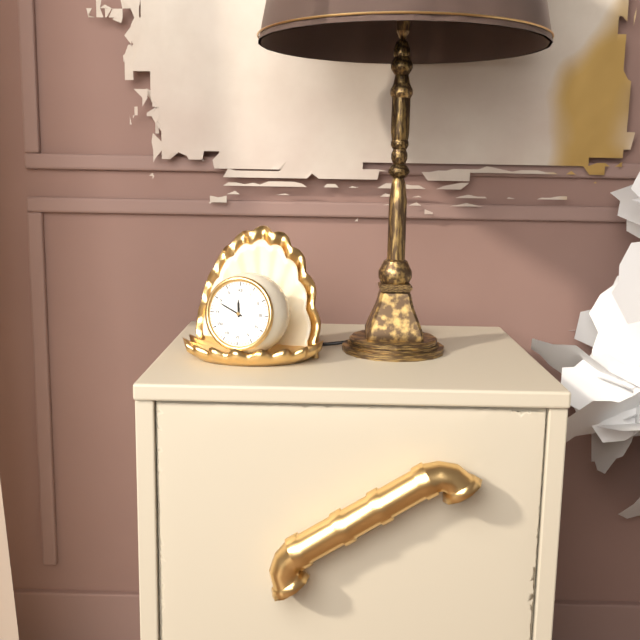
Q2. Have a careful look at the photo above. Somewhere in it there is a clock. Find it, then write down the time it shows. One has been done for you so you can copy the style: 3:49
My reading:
11:49
